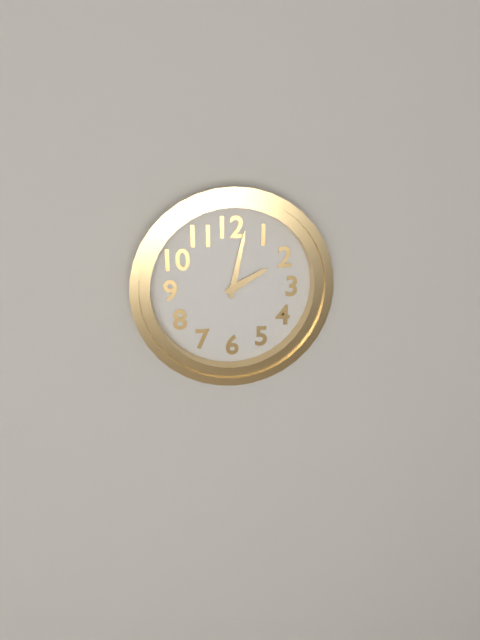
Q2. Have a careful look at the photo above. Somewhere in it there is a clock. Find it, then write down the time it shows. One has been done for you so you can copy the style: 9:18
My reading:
2:02
